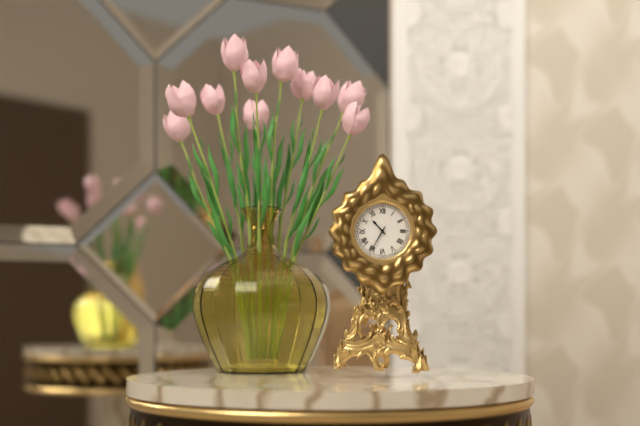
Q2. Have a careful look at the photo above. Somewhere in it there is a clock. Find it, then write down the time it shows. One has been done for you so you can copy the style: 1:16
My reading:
10:35
